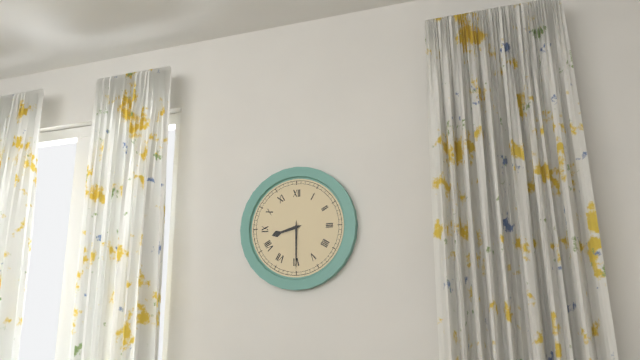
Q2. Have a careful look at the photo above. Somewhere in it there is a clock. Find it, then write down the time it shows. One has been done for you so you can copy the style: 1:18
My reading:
8:30
